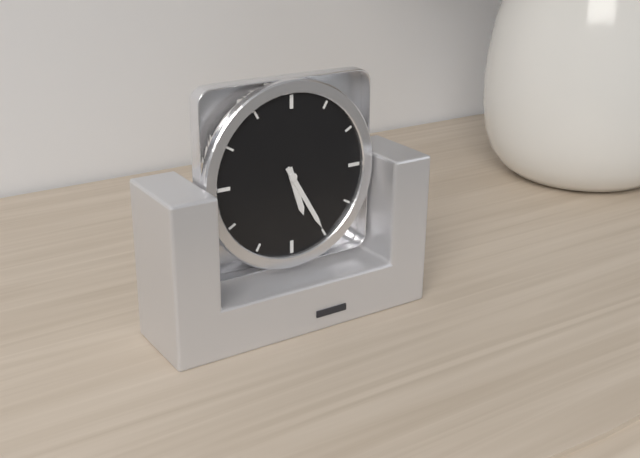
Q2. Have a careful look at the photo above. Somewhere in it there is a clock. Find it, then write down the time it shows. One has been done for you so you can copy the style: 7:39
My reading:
5:25
